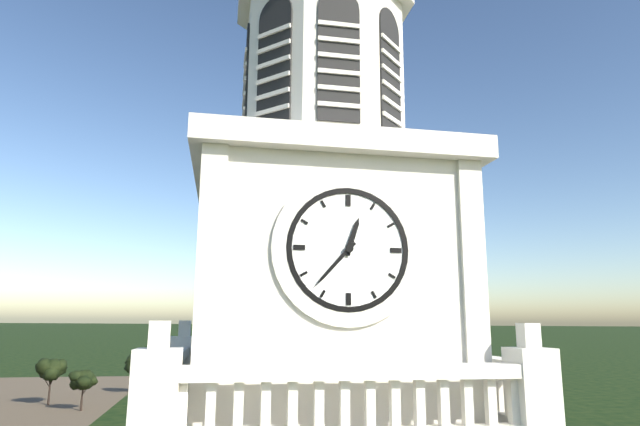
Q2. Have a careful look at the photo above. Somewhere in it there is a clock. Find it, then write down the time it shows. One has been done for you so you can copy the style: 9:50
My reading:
12:37
